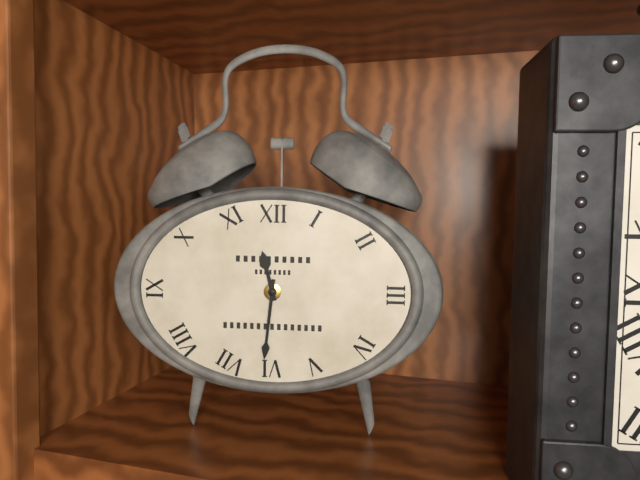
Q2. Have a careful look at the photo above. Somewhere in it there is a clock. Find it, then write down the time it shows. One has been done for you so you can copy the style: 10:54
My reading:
11:31
